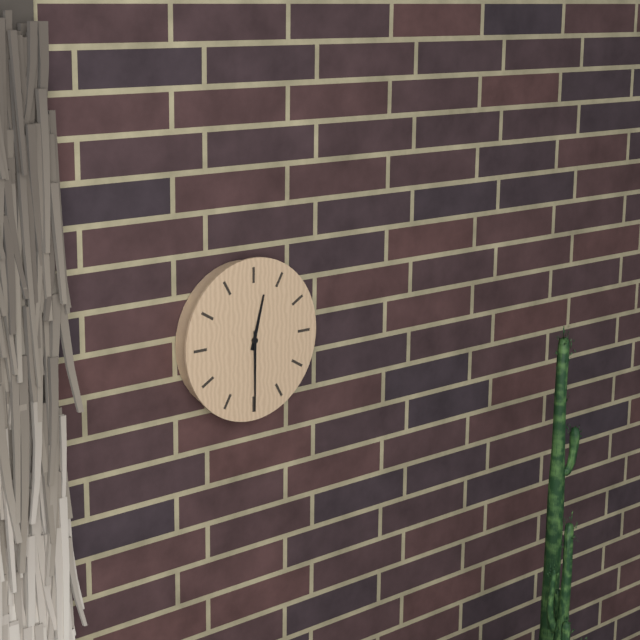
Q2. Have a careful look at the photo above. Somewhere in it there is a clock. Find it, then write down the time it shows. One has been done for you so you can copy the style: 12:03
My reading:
12:30
